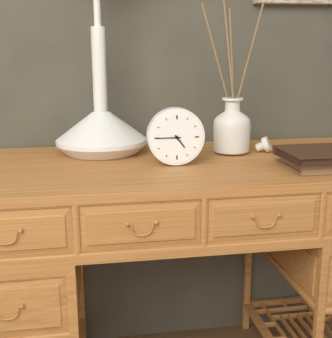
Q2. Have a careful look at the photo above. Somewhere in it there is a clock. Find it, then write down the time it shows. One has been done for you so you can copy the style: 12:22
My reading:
4:45
